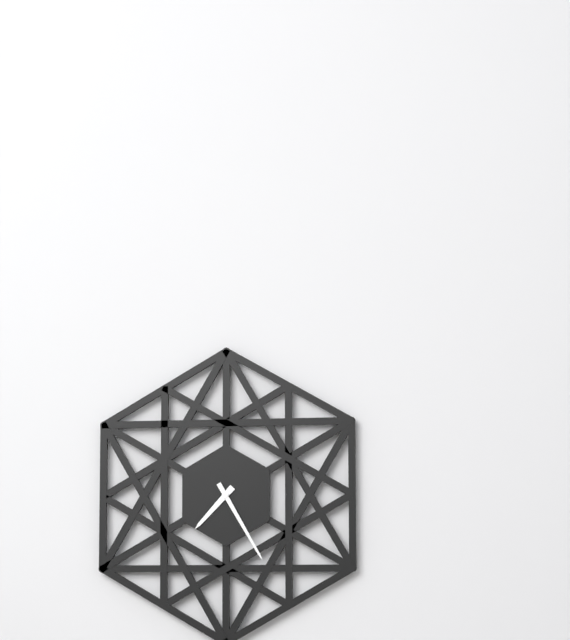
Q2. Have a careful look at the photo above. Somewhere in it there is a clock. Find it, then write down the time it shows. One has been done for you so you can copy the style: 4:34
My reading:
7:25
